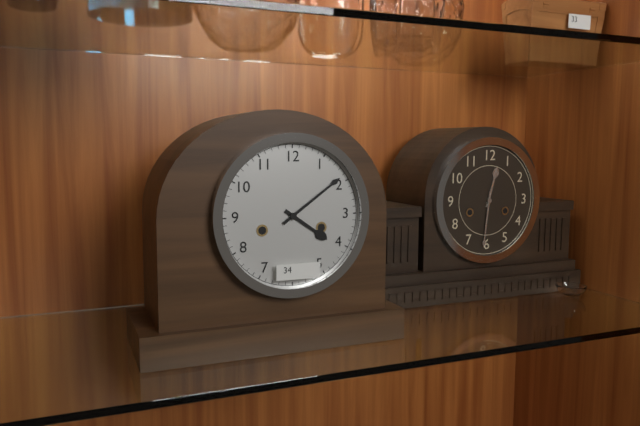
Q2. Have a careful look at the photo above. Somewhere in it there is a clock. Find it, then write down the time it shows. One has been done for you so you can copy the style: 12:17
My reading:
4:09
